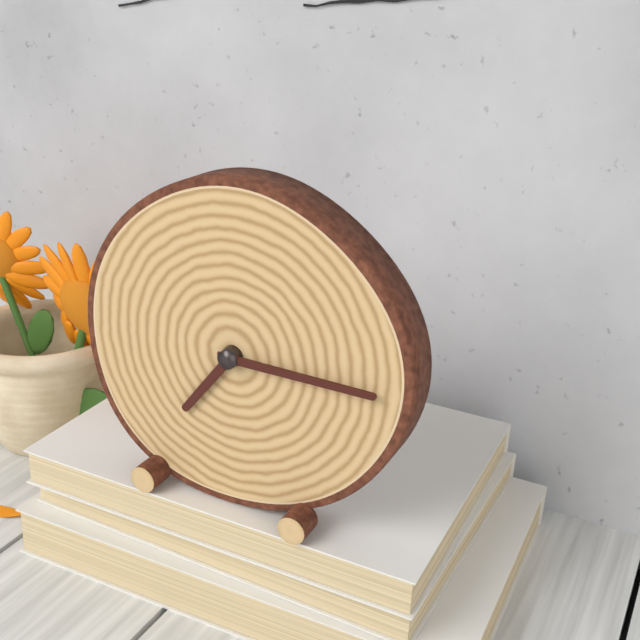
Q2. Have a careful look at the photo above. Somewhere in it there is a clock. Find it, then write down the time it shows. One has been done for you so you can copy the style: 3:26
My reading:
7:15
